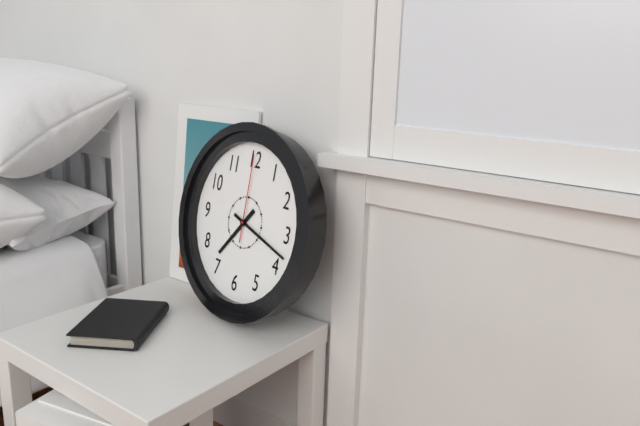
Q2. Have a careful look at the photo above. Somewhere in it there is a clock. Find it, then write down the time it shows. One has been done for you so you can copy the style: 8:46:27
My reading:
7:18:00
